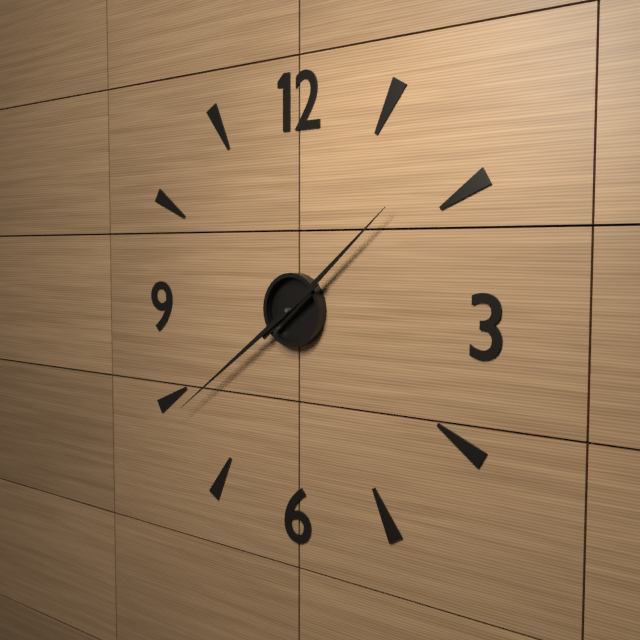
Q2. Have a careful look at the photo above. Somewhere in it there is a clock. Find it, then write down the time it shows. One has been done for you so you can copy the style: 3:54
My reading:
1:39
